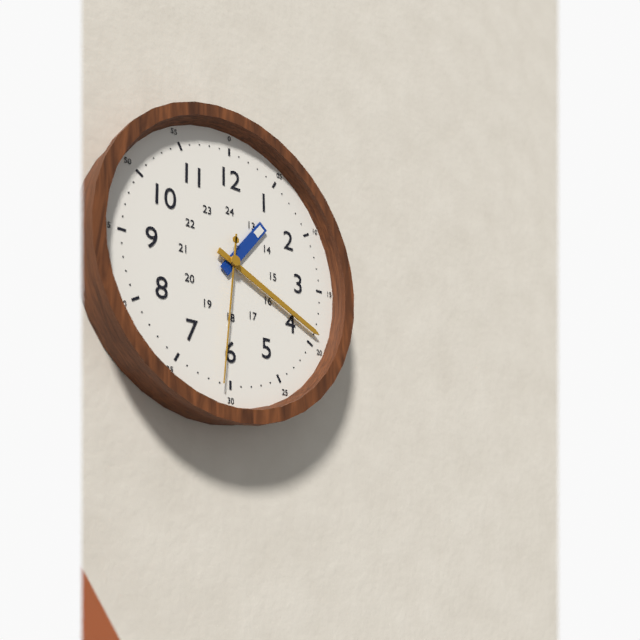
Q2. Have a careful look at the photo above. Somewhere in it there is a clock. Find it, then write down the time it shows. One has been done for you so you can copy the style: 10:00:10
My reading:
1:19:31
